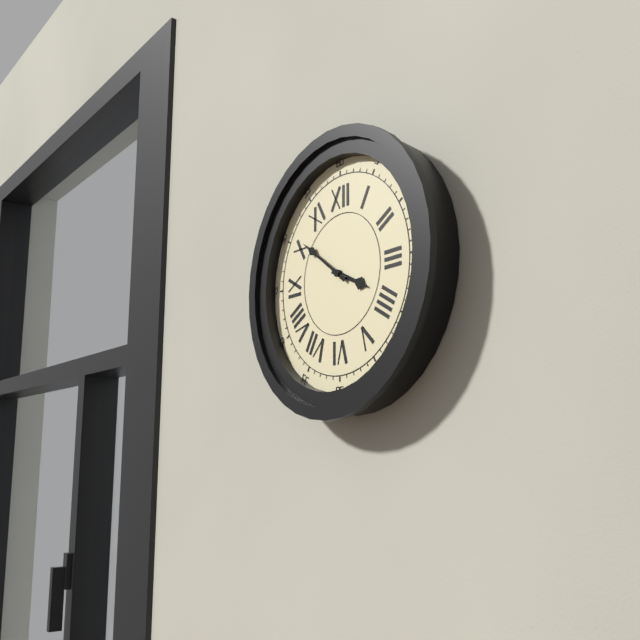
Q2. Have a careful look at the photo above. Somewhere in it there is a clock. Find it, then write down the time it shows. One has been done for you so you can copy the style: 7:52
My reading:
3:51
